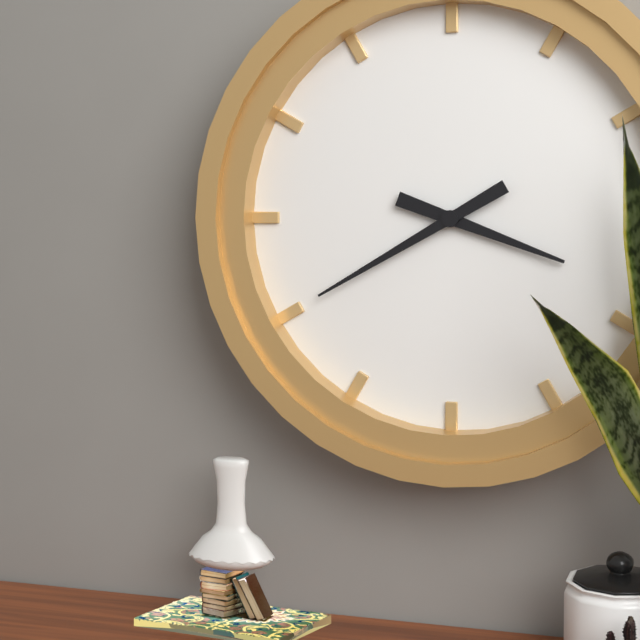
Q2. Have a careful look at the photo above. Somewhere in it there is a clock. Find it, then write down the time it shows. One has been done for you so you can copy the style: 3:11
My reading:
3:40
